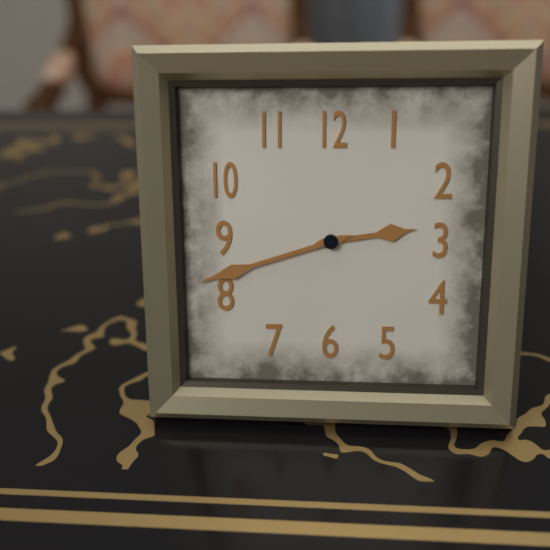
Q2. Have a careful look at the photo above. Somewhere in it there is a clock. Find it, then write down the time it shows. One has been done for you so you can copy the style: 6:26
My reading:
2:42
